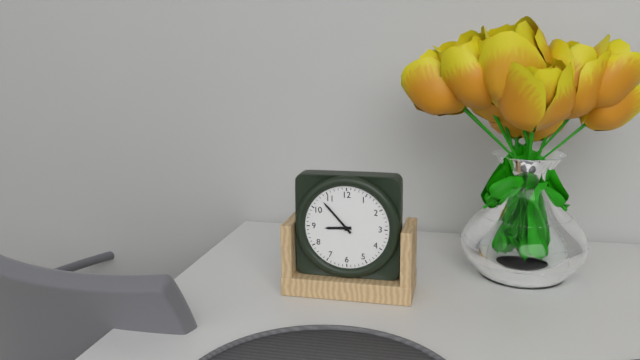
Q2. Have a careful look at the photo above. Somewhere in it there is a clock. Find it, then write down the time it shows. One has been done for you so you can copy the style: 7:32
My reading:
8:53
